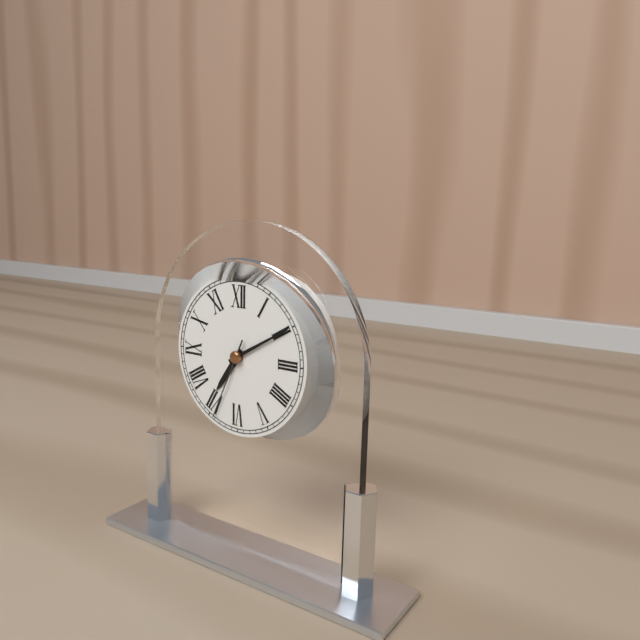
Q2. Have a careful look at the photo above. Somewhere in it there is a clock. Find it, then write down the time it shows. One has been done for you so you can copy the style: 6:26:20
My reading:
7:10:34
